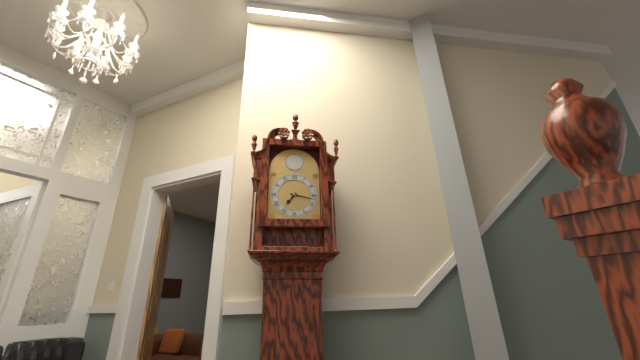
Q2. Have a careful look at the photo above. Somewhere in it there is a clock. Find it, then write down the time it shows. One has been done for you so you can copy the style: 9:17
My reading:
7:17
